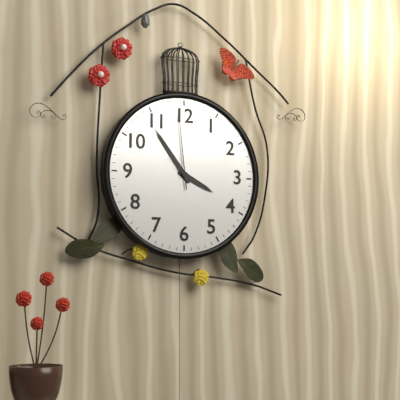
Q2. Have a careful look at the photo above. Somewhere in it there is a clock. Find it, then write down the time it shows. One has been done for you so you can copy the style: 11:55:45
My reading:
3:54:59
